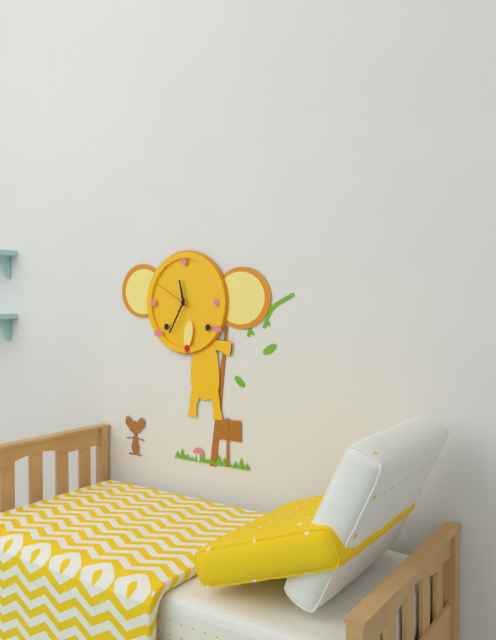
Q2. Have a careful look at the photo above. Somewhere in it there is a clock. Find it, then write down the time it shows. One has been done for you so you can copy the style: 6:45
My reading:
11:35
